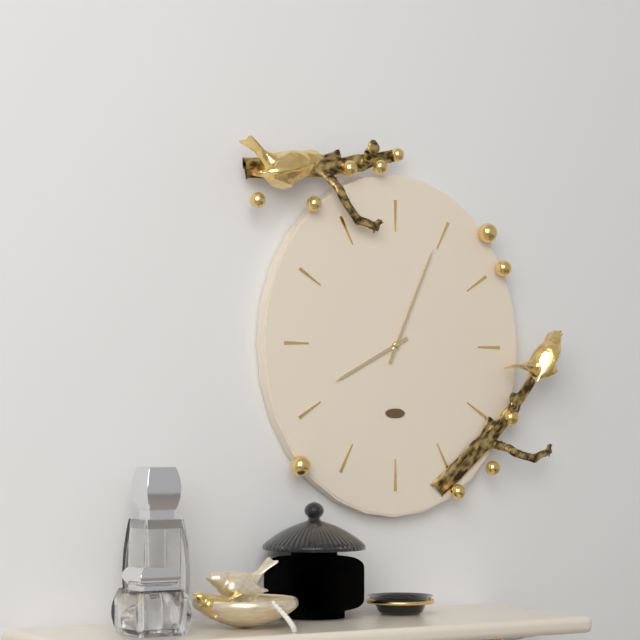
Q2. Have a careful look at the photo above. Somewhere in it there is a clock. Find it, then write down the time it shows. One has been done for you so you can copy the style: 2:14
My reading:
8:04
